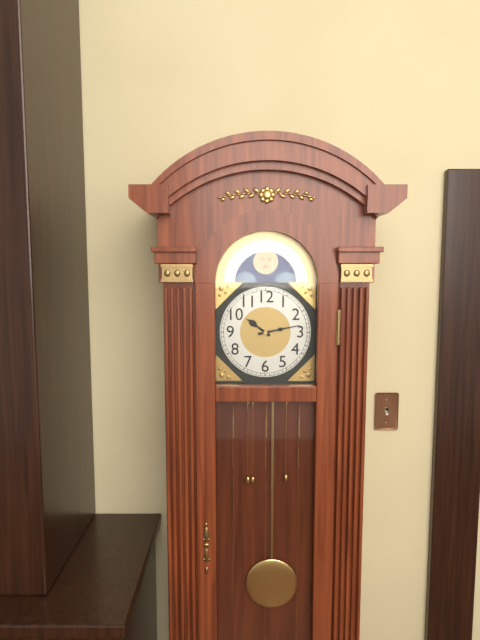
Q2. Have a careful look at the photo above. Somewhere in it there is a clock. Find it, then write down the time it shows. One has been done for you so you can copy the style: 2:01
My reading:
10:13
